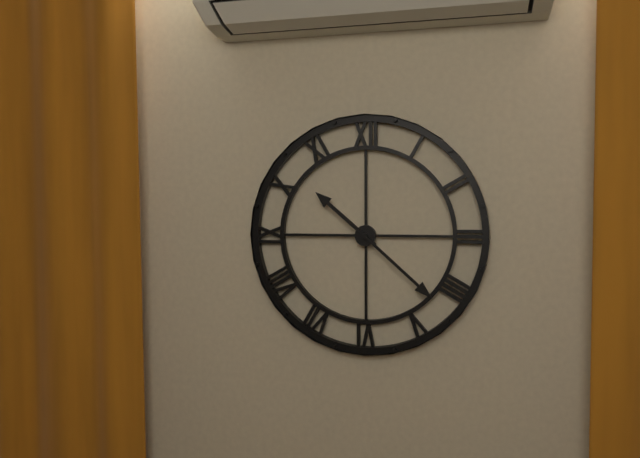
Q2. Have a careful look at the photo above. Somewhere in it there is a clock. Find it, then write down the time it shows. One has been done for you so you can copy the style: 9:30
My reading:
10:22
